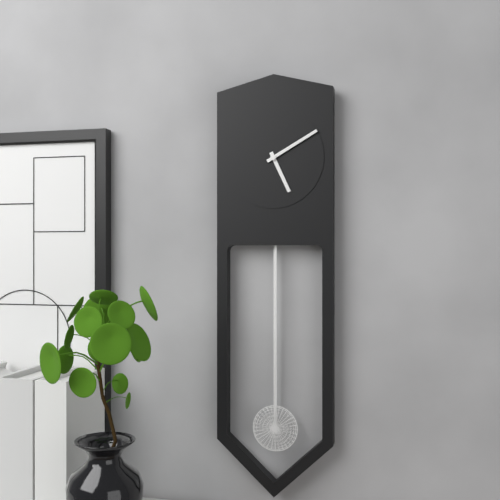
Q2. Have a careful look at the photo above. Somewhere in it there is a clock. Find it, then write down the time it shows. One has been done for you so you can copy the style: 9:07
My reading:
5:10
